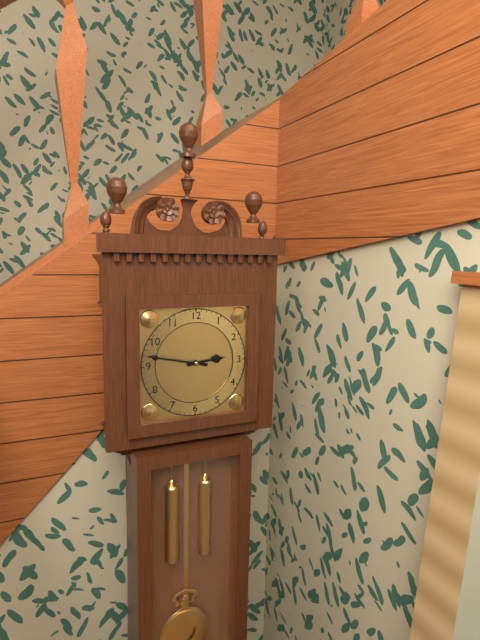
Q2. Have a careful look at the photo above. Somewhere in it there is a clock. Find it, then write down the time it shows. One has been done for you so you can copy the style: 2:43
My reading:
2:47
